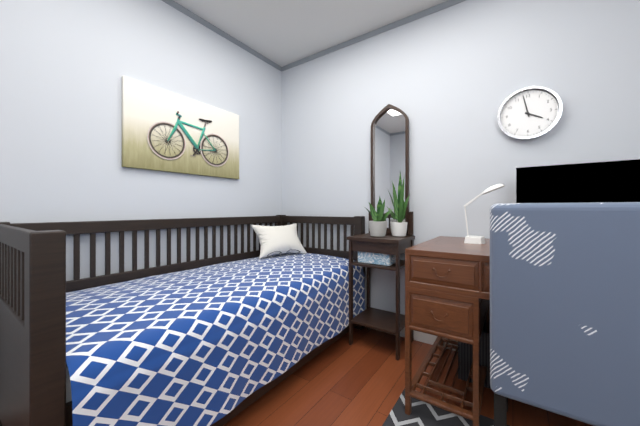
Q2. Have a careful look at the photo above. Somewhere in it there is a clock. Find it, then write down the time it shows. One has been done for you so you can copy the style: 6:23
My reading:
3:58
